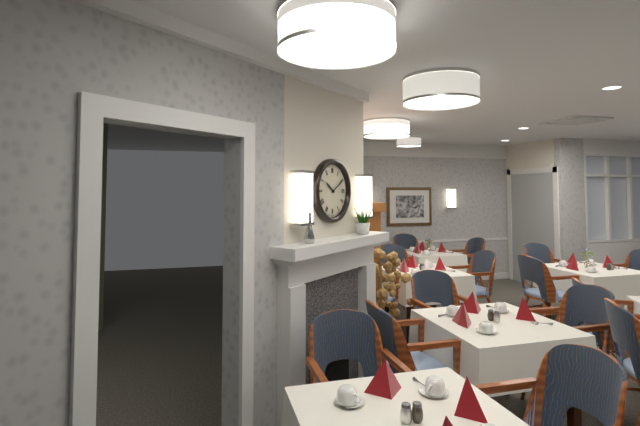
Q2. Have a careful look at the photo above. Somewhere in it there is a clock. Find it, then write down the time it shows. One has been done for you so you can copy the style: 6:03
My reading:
10:10
